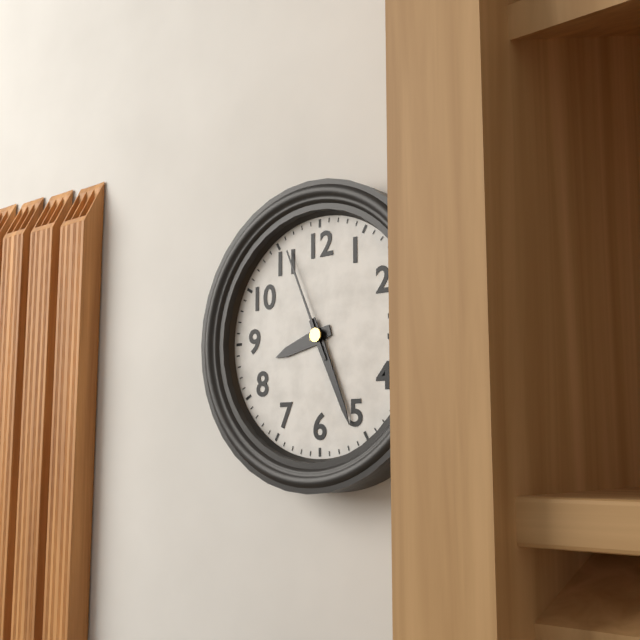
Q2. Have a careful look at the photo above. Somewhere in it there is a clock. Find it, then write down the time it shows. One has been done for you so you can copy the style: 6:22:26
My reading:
8:26:56
